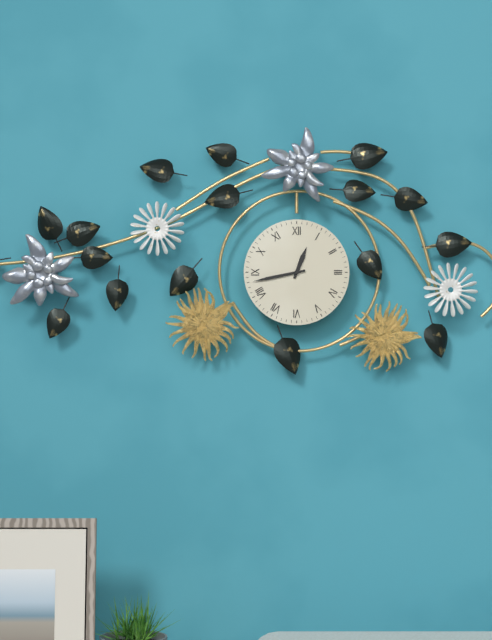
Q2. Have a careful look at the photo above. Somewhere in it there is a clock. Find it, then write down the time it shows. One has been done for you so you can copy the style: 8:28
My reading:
12:43
